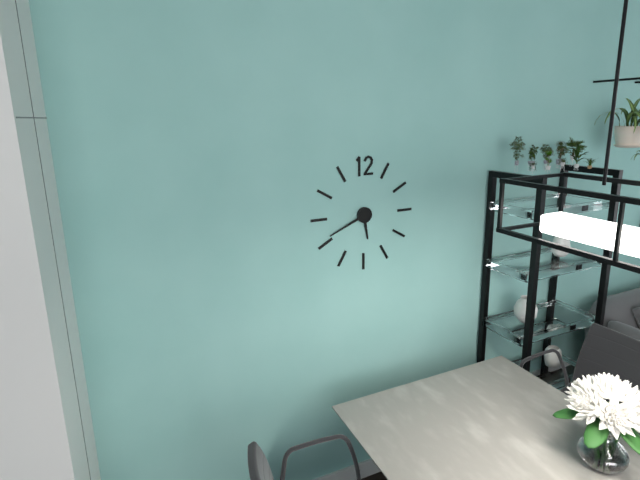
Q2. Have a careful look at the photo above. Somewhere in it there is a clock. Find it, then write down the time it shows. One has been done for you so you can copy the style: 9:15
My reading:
5:41
